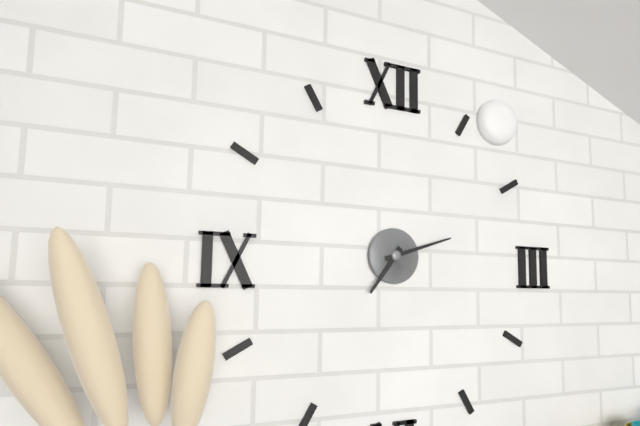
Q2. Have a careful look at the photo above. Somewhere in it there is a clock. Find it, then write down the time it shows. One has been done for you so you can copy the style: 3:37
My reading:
7:12
